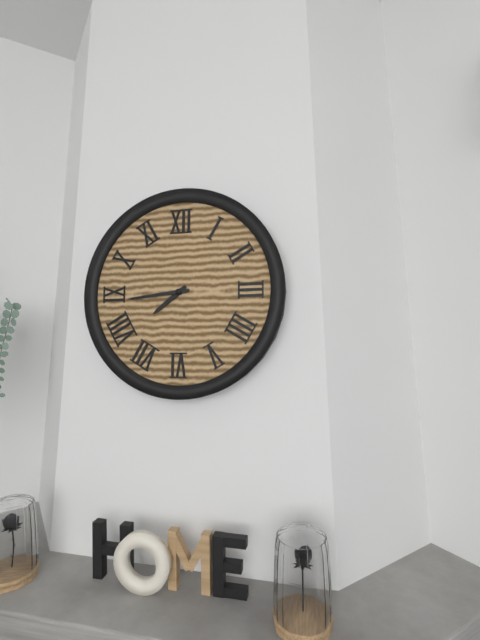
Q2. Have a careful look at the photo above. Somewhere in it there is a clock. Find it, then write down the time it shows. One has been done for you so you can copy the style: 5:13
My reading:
7:44
